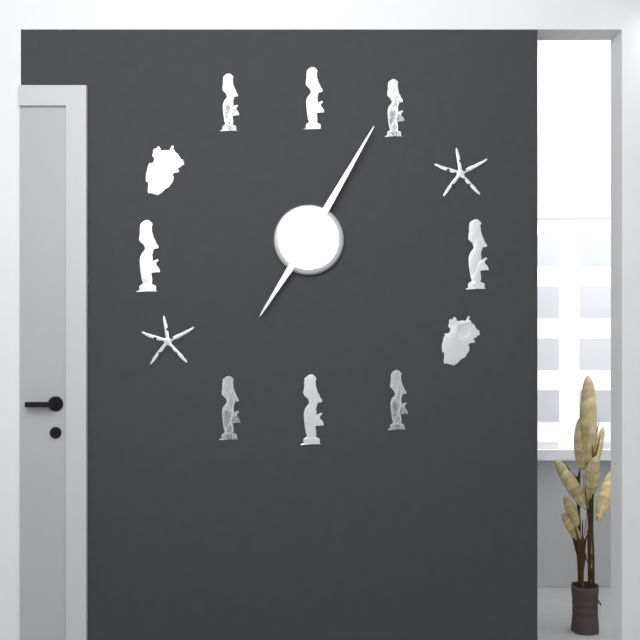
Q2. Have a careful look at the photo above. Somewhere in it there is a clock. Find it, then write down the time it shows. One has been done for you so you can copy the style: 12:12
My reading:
7:05
